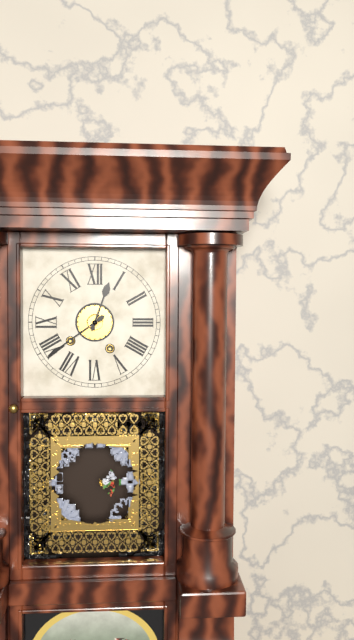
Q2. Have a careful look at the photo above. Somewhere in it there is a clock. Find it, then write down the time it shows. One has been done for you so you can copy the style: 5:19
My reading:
12:39
